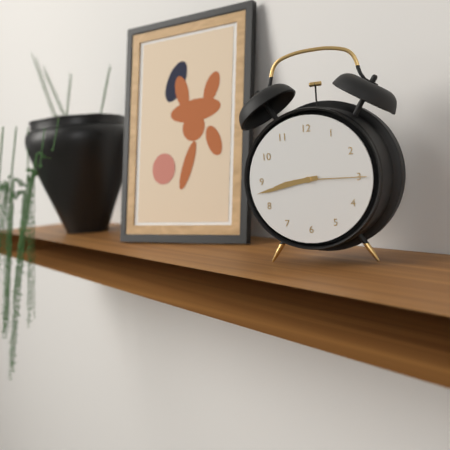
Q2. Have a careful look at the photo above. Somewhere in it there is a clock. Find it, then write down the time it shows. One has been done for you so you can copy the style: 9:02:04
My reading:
8:43:15
